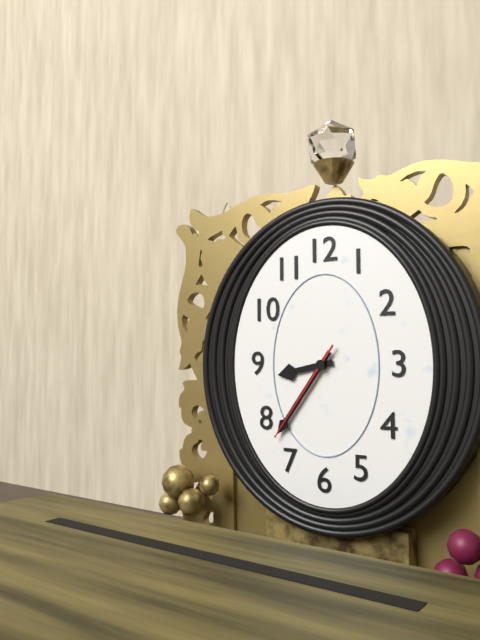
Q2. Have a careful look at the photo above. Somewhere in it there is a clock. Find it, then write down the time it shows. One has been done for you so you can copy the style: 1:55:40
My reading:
8:36:36
